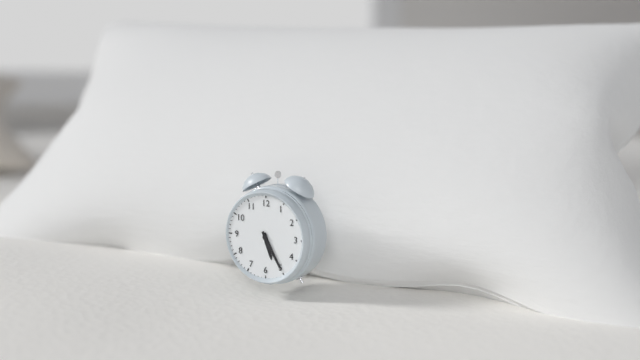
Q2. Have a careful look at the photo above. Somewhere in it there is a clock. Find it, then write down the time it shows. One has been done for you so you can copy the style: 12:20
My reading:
5:25
